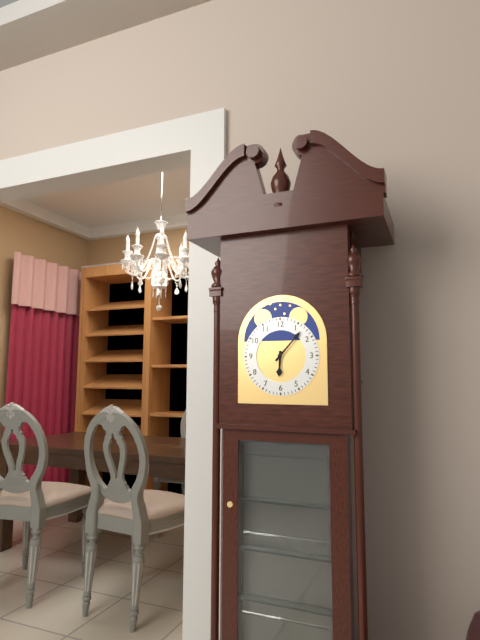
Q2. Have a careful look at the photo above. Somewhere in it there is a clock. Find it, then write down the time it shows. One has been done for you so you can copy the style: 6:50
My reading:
6:07
